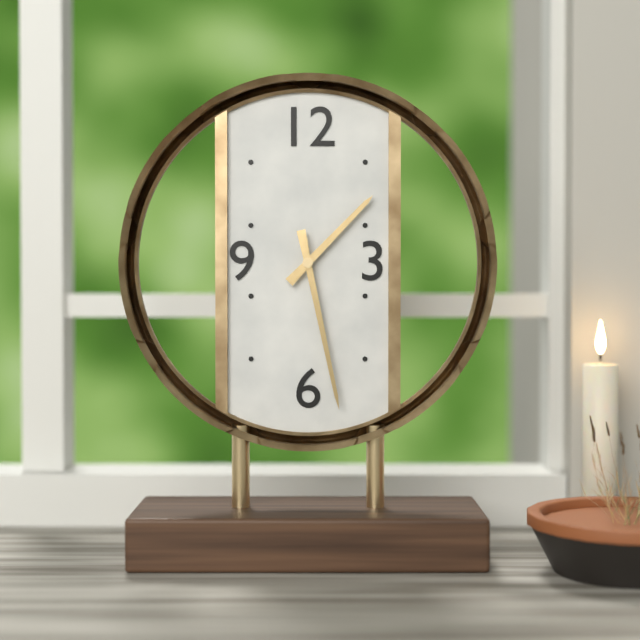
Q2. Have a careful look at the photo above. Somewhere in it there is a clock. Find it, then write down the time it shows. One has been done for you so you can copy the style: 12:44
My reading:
1:28
